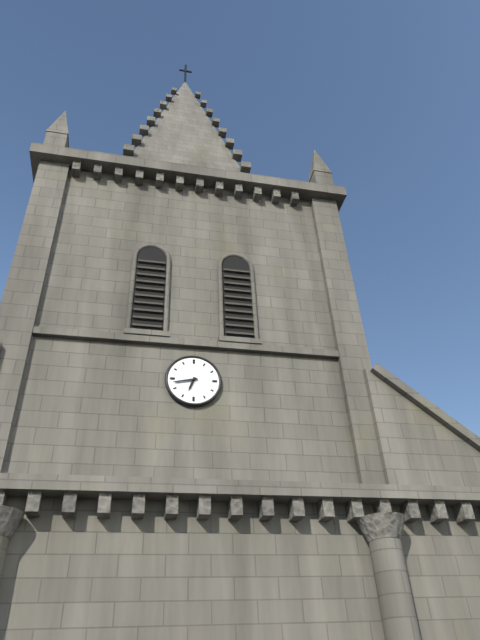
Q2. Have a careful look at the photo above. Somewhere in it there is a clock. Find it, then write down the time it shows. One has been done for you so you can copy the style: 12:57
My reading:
6:43
